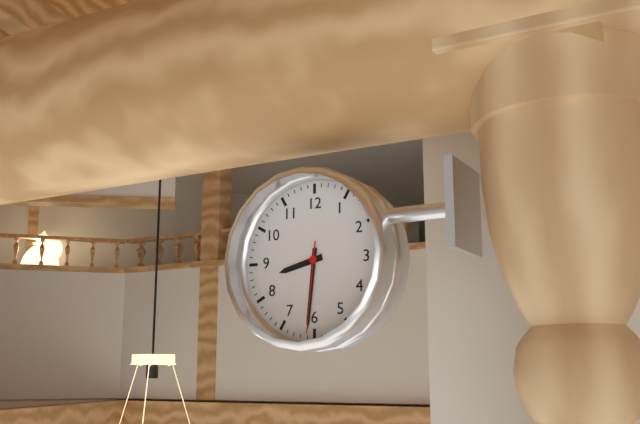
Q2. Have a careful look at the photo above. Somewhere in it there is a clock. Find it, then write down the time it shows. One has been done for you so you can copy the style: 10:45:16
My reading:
8:31:31
